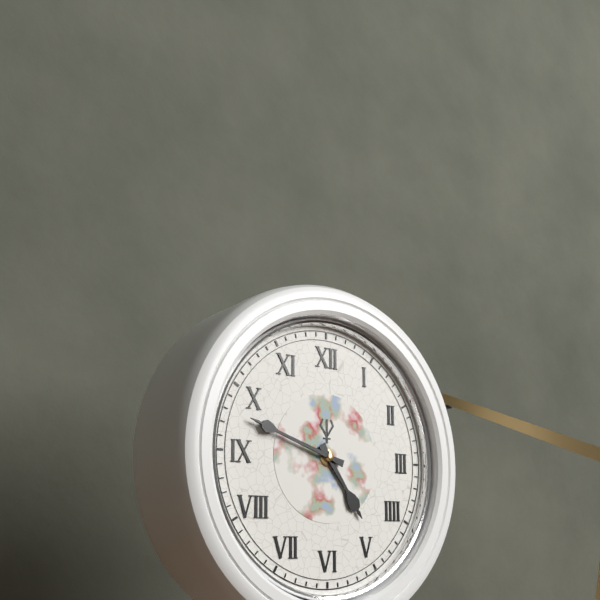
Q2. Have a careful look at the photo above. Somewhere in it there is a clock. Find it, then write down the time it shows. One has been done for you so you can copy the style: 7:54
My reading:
4:48
